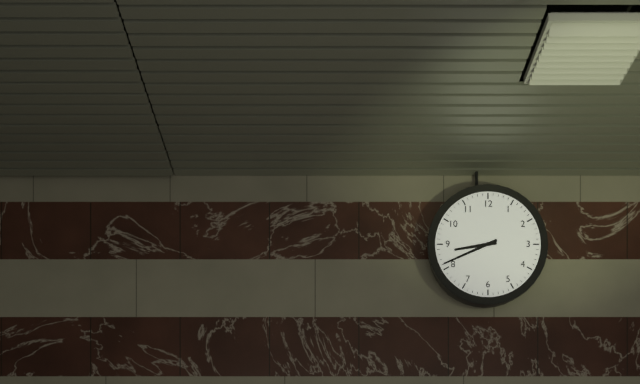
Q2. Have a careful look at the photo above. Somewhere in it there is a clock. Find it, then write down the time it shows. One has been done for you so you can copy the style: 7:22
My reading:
8:41
